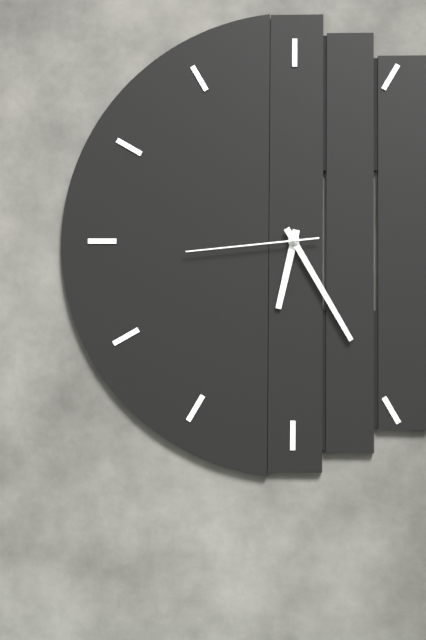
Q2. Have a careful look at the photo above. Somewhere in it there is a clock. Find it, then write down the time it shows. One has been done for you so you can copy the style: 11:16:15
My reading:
6:25:44
